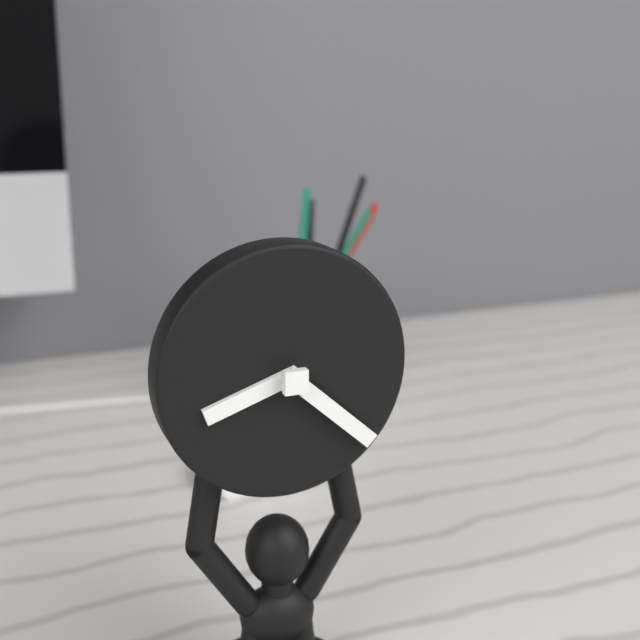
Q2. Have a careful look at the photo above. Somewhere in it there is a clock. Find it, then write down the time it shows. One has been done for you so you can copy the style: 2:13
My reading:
8:22
